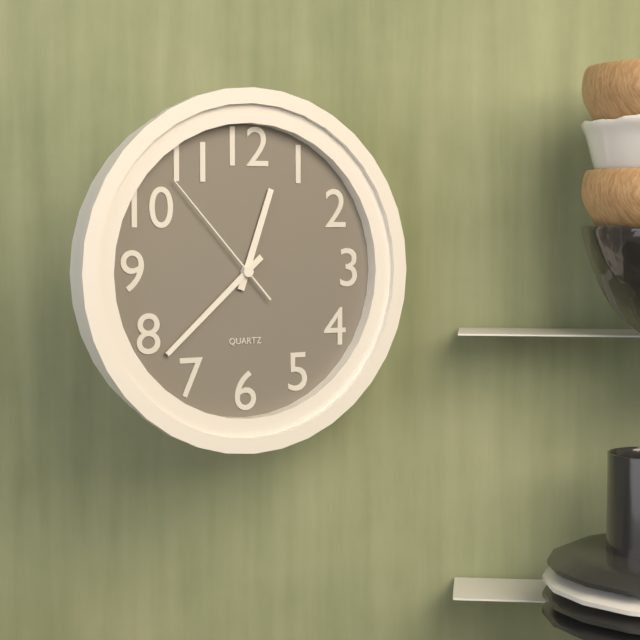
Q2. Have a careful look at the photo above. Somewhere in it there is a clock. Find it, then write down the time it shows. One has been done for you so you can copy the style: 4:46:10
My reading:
12:38:53
